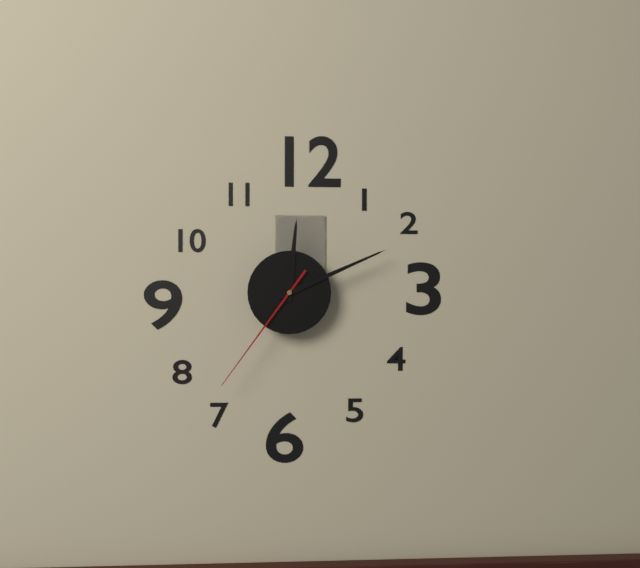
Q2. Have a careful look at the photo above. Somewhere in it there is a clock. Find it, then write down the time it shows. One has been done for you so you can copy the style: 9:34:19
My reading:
12:11:36
